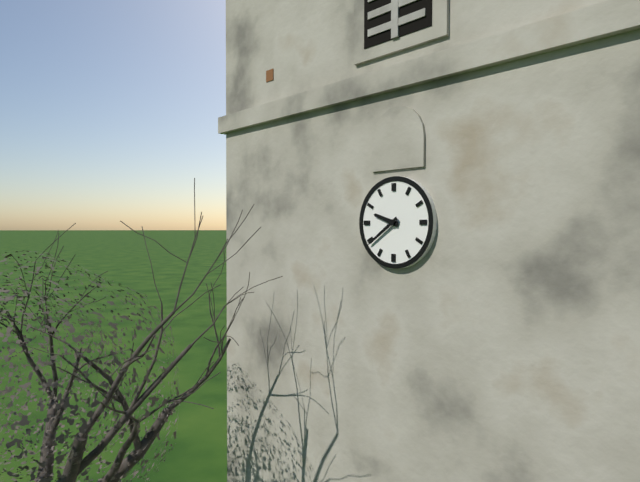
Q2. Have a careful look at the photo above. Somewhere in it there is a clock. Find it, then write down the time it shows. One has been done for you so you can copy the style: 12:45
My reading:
9:39
